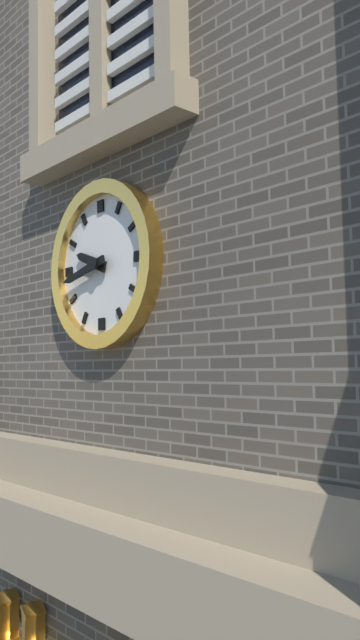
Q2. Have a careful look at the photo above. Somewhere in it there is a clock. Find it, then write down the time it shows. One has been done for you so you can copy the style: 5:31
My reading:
9:43
